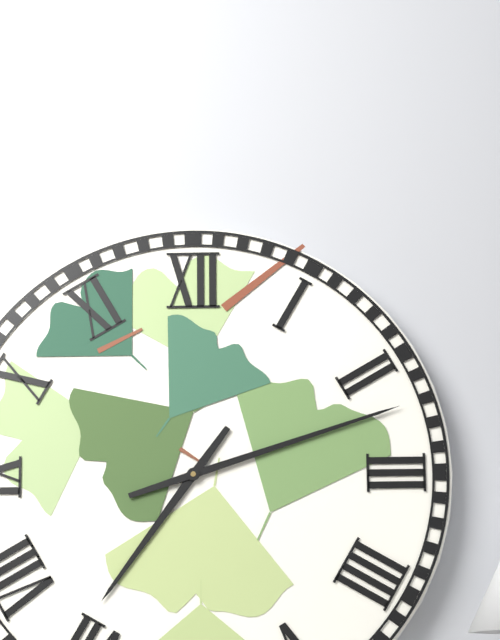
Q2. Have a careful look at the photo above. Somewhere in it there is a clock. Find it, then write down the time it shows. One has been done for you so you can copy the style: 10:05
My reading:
7:12
